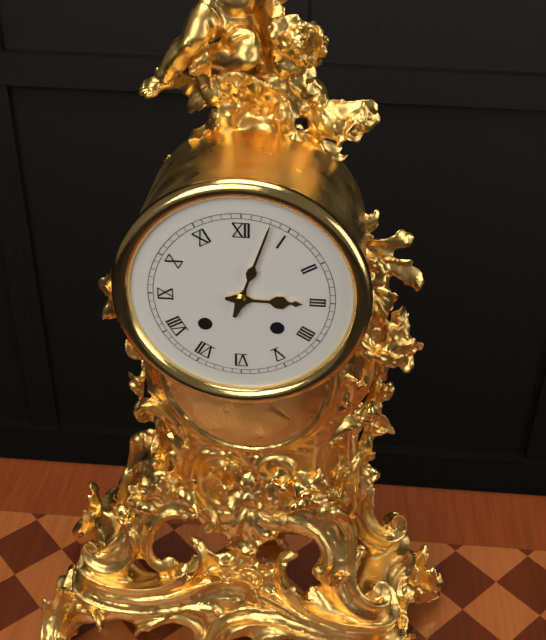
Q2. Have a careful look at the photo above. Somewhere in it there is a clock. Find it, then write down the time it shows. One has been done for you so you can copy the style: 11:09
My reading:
3:03
